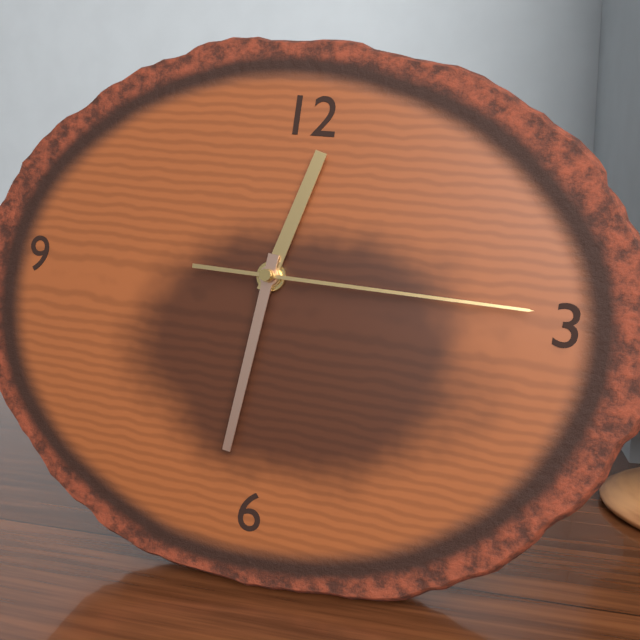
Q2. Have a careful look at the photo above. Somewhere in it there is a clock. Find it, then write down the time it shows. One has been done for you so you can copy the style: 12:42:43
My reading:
12:31:15
